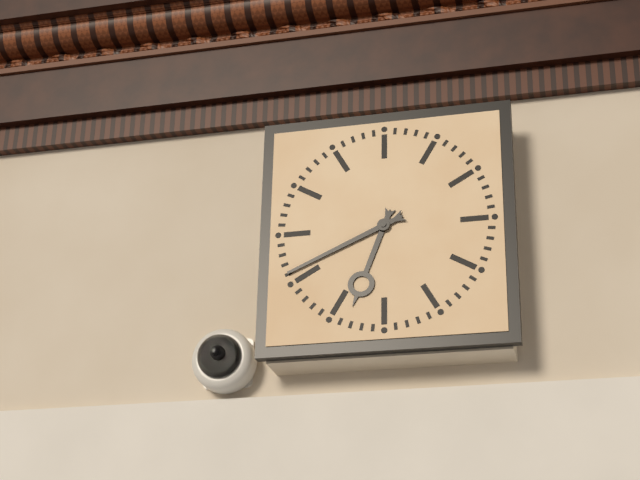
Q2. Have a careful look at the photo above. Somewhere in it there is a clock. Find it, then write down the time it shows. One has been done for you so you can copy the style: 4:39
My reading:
6:41
